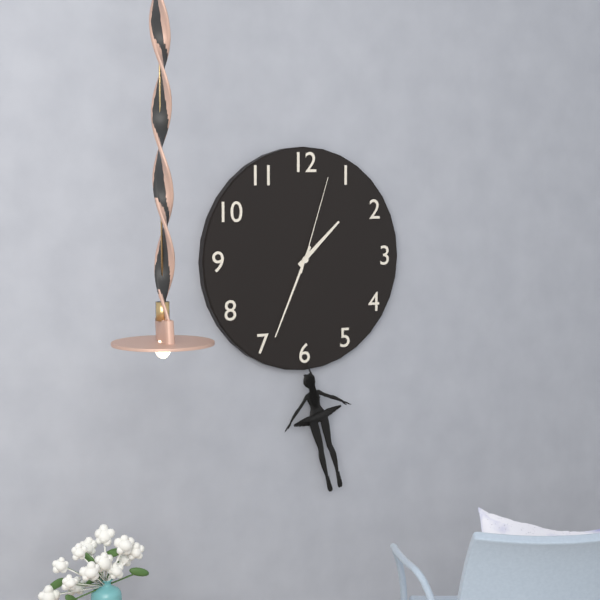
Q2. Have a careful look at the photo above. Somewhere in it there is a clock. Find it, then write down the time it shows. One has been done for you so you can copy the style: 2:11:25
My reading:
1:34:03
